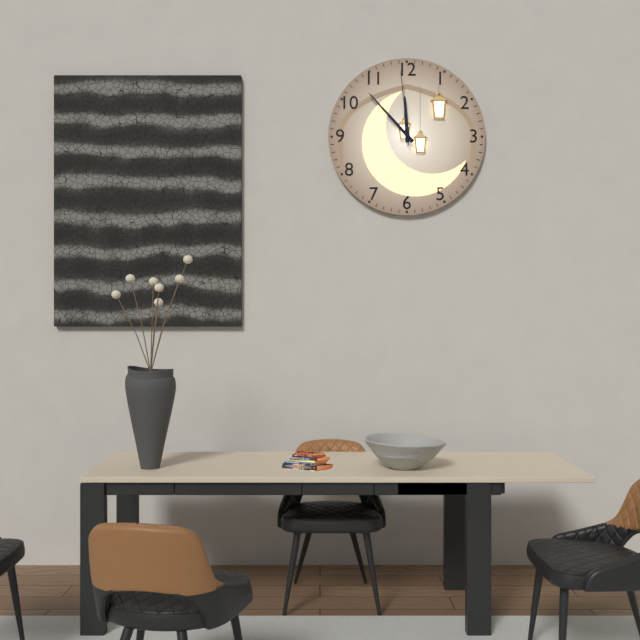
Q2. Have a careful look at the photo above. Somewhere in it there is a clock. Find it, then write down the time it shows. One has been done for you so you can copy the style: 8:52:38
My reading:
11:53:59
